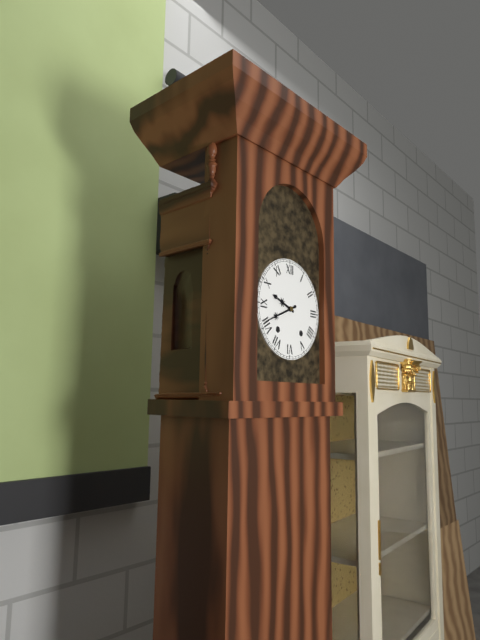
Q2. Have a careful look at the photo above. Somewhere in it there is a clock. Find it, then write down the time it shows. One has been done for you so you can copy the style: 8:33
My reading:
9:41
